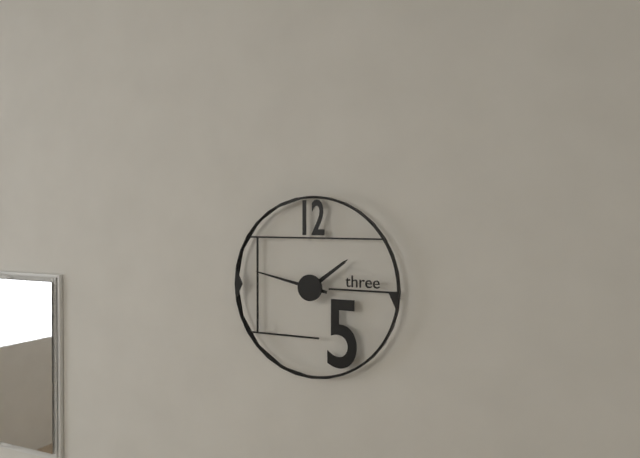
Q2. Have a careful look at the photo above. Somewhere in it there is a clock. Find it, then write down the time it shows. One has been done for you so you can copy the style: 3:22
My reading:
1:47
